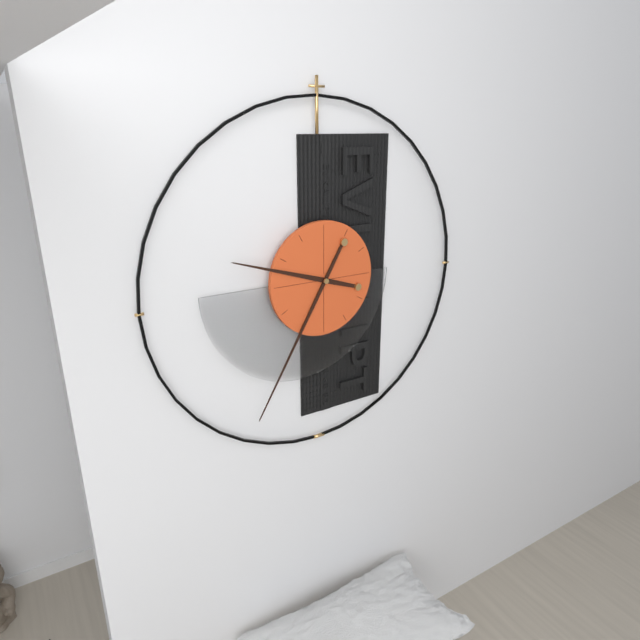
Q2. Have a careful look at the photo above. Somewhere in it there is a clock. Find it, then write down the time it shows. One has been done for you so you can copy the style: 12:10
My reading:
9:35
